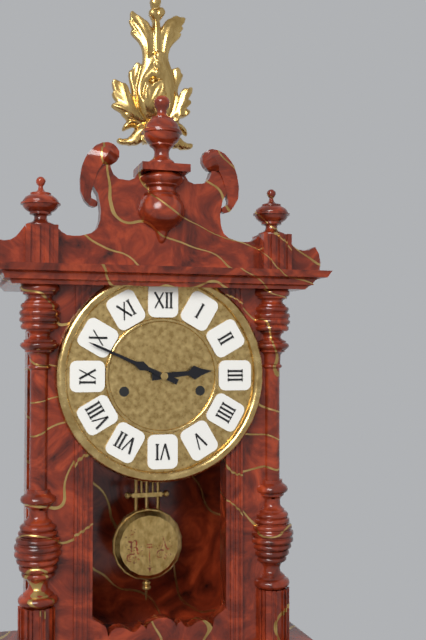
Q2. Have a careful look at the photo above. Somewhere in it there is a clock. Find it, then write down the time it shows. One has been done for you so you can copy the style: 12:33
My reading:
2:49
